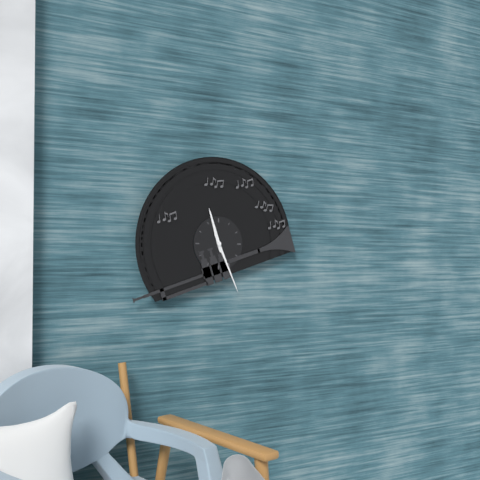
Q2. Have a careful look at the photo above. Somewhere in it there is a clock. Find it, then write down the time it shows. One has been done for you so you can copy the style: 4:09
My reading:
11:26
